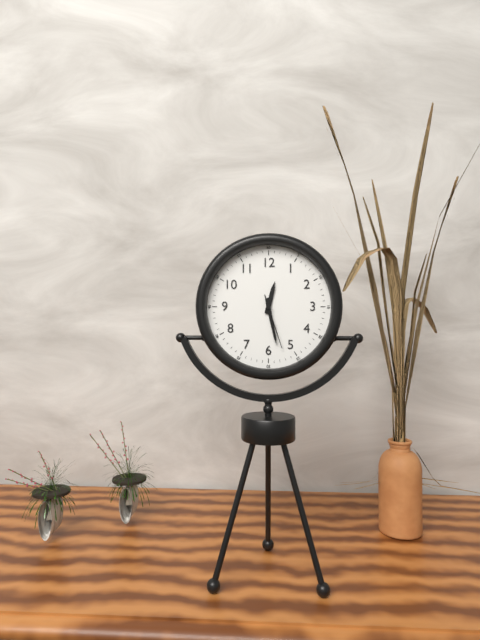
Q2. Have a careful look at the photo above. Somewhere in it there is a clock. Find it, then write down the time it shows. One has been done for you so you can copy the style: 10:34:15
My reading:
12:28:27
